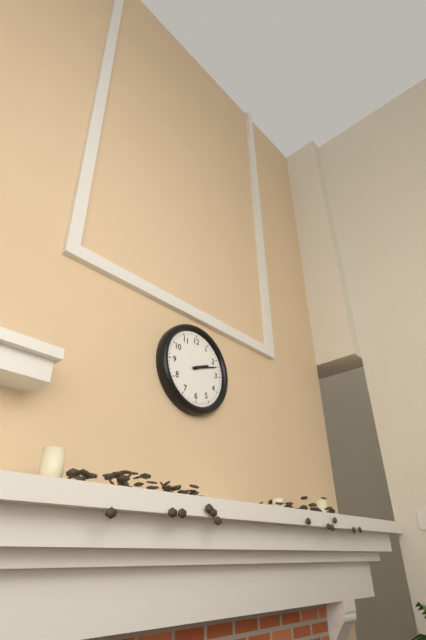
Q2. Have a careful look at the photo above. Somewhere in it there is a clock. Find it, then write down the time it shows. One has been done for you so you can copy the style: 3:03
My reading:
2:12
